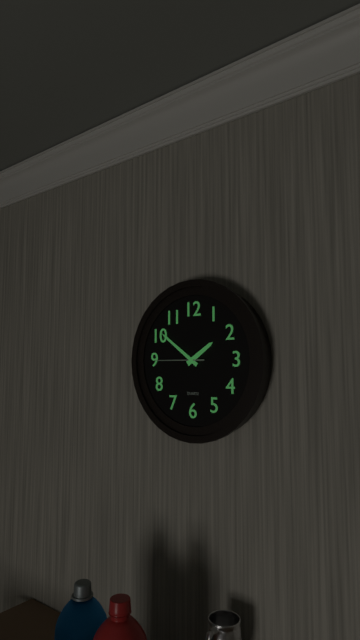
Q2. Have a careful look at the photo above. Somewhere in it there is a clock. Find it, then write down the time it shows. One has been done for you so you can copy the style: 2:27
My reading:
1:51
